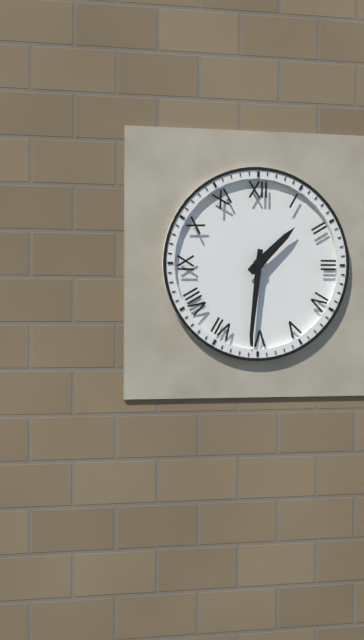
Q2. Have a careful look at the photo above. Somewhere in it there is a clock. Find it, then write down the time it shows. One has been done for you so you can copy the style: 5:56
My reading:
1:31
